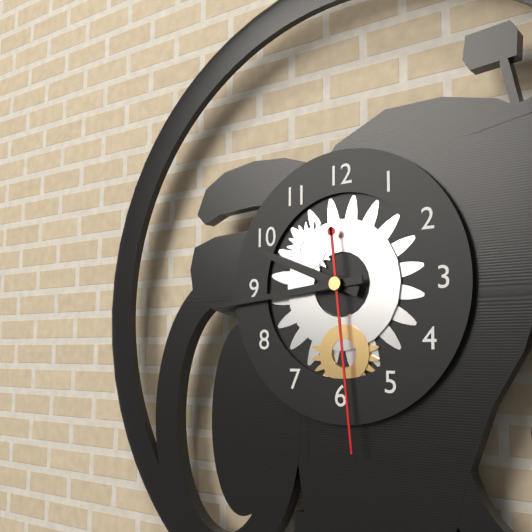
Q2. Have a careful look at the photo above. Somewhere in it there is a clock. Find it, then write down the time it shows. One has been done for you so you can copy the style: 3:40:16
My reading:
9:44:29
